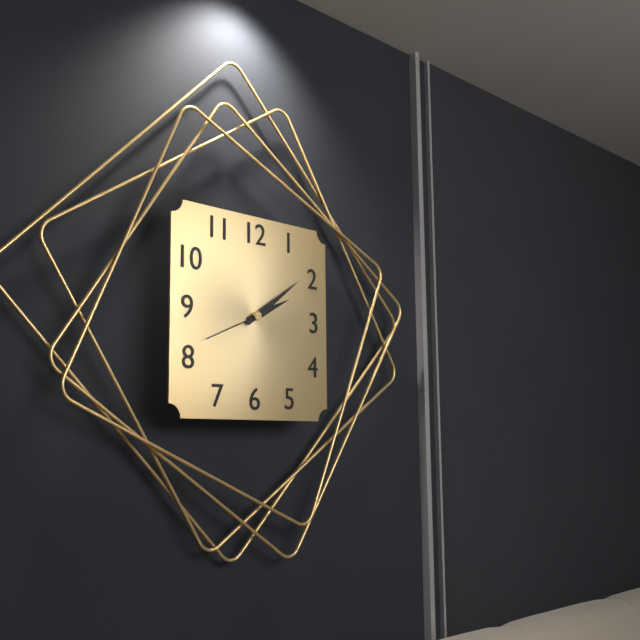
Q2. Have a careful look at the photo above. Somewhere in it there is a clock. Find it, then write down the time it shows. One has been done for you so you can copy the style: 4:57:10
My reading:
2:09:41
